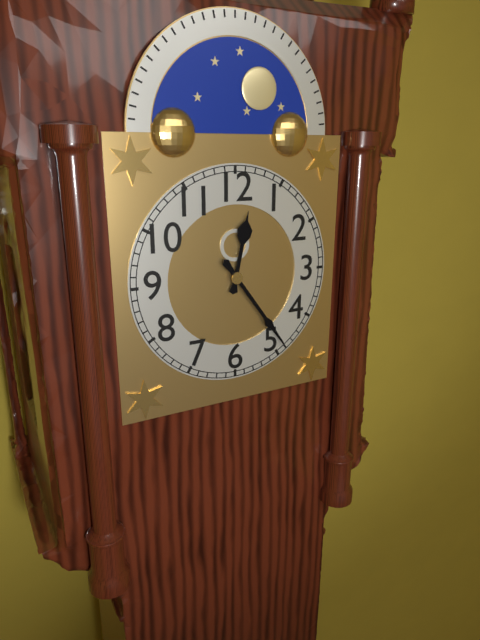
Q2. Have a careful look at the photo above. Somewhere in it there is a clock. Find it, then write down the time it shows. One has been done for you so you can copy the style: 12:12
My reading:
12:24
